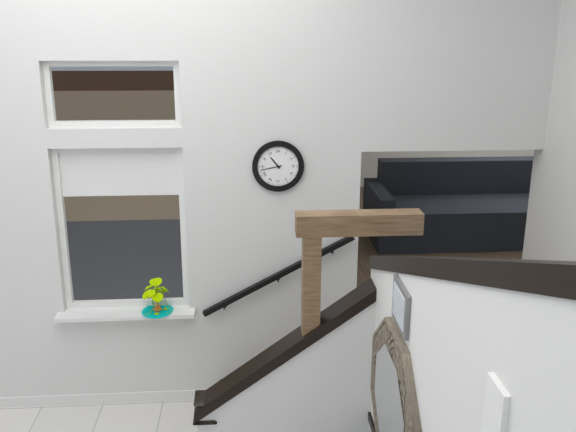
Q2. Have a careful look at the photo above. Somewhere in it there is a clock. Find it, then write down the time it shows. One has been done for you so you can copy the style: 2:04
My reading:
10:43
